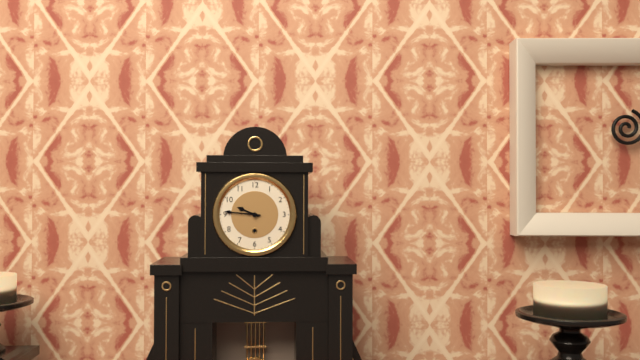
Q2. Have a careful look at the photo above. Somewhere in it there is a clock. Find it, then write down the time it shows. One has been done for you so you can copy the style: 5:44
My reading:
9:46
